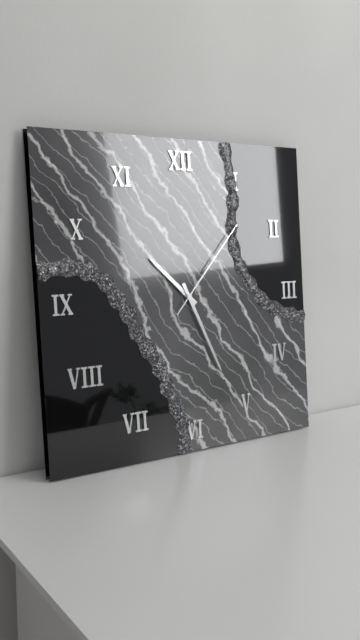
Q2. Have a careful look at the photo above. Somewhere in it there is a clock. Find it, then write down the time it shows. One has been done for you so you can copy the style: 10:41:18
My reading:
10:26:07
